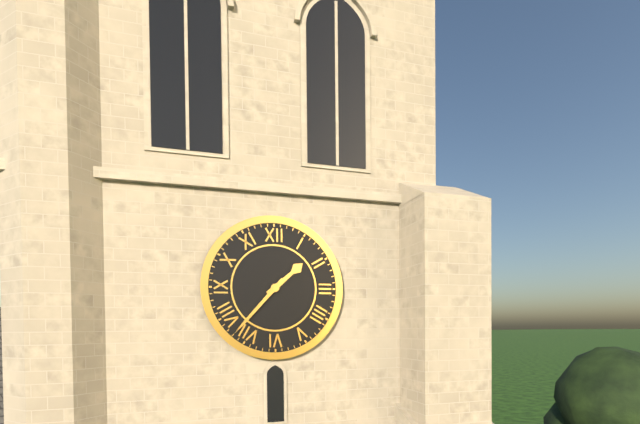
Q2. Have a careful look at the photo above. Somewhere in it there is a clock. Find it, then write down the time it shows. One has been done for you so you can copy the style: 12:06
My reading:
1:37
